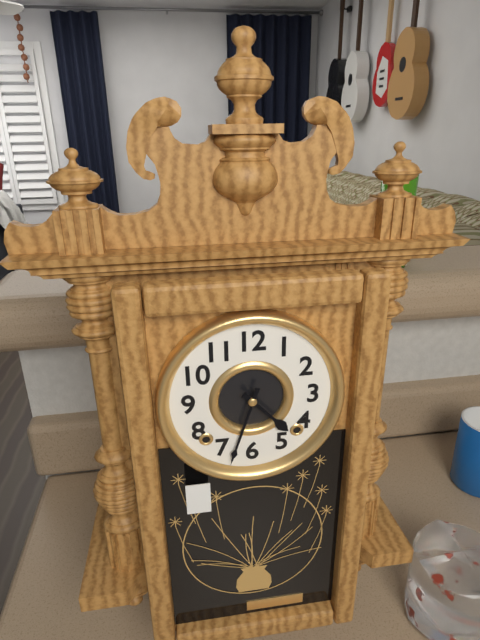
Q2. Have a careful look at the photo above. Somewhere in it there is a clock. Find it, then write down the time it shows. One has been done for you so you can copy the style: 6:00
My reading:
4:33
